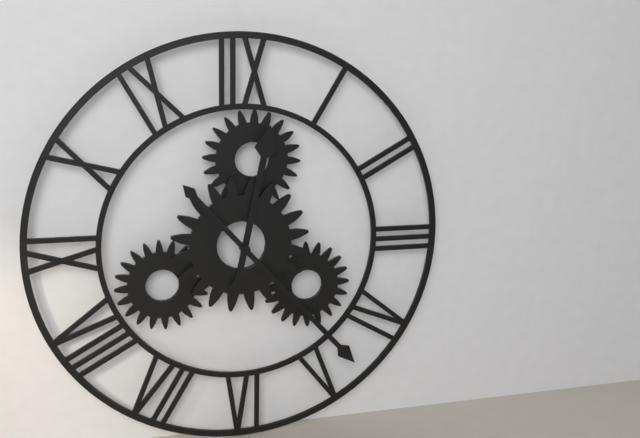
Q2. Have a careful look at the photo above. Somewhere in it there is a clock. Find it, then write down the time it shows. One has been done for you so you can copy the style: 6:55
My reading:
12:23
